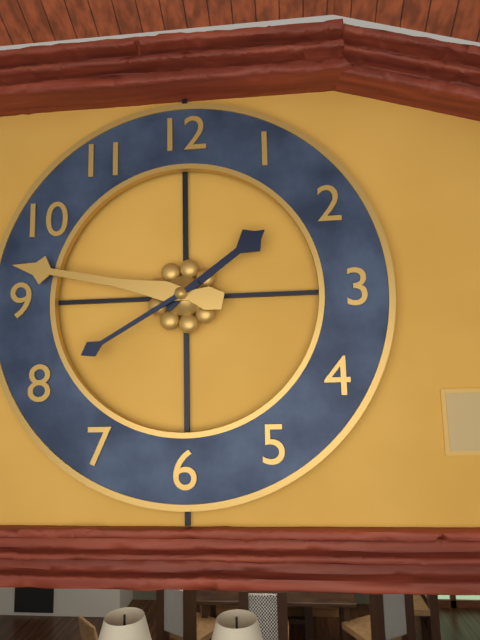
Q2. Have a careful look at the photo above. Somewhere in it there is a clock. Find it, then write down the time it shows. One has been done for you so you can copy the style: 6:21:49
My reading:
1:47:40
